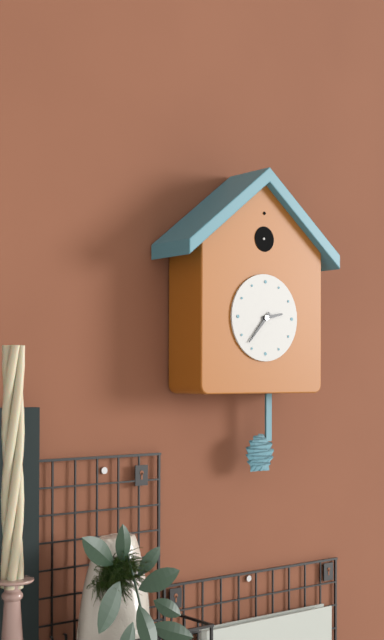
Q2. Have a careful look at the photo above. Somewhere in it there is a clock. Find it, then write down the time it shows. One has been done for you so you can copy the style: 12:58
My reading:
2:37
